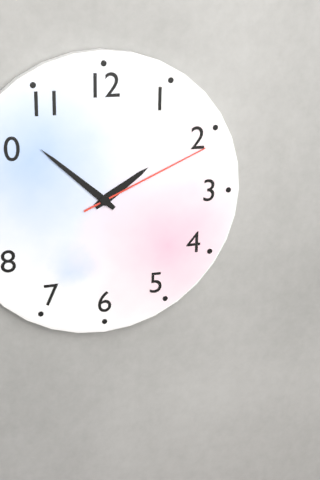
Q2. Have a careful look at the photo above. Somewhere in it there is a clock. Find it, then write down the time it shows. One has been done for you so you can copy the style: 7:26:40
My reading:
1:52:11
